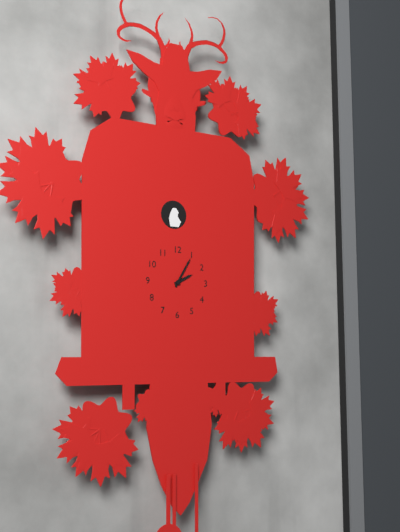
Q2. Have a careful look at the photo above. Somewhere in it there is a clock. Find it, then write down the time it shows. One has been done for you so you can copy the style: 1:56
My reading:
2:05
